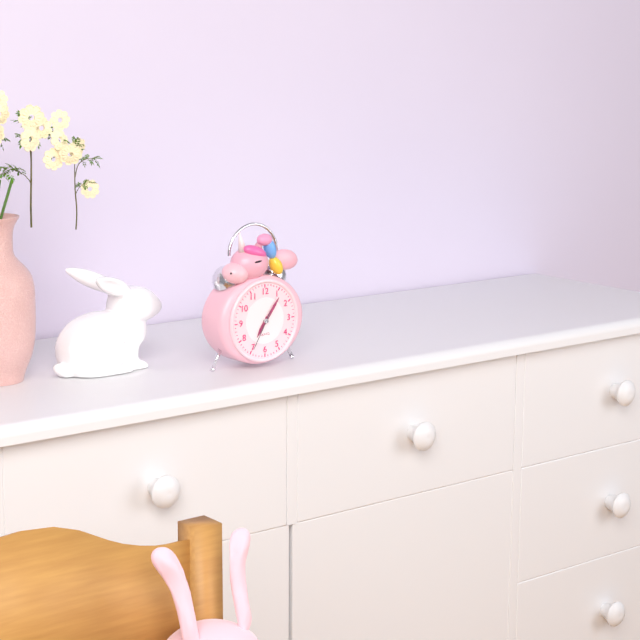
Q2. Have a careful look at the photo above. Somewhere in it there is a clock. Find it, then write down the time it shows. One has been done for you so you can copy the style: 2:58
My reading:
7:06
